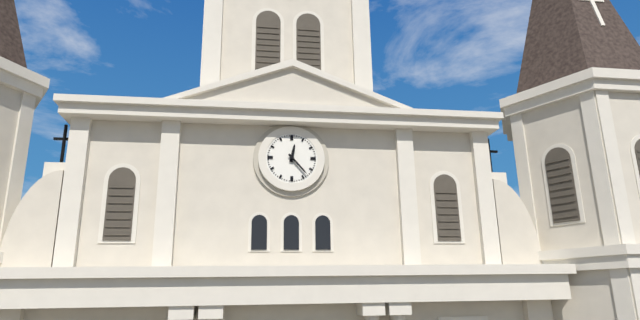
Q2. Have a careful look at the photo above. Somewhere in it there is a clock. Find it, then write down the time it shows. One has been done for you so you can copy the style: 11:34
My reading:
12:23
